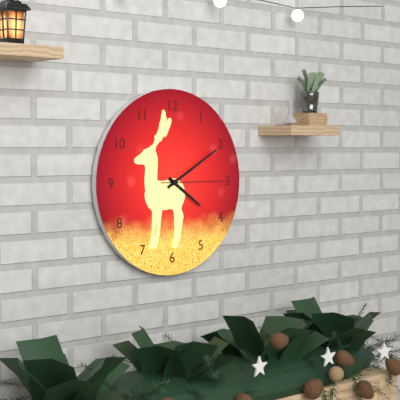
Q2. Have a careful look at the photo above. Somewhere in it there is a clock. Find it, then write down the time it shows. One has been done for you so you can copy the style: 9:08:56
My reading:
4:10:15
